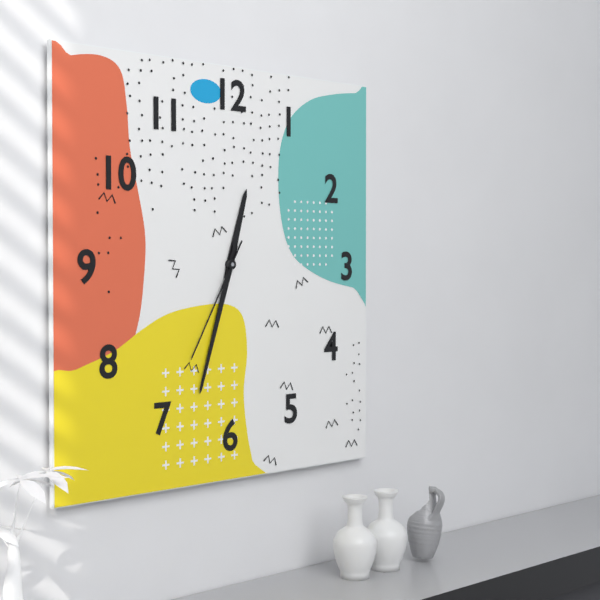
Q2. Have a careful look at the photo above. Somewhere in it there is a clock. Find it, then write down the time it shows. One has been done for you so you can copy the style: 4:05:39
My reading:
12:33:35
